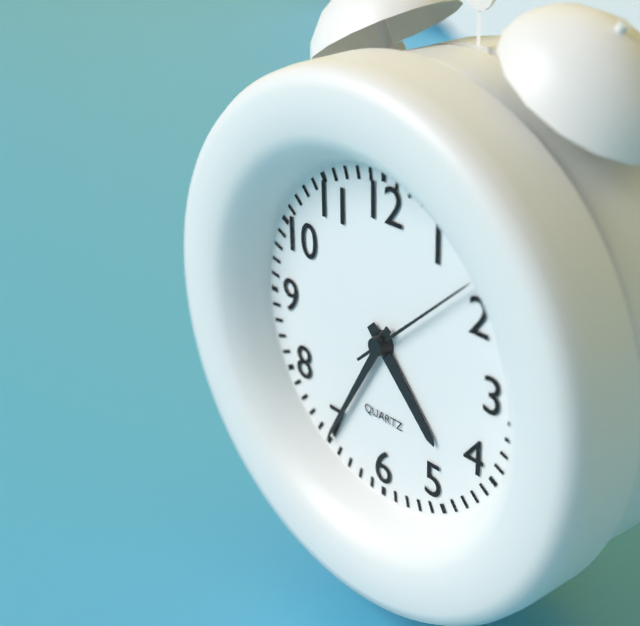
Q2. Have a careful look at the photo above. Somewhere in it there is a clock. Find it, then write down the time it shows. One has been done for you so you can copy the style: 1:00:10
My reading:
4:35:08
